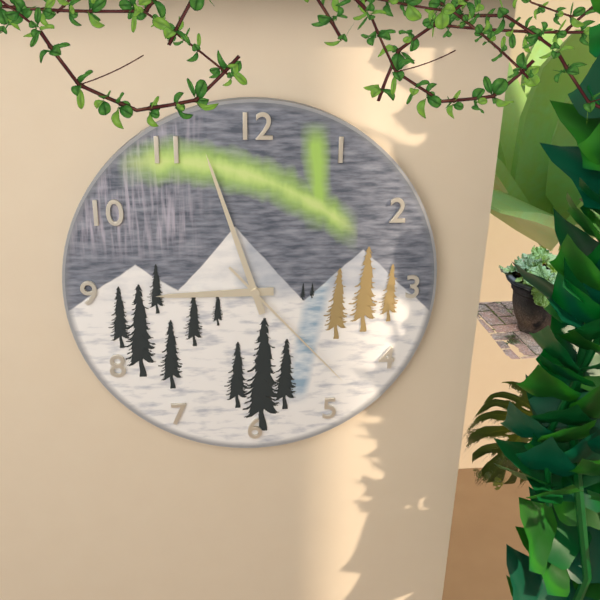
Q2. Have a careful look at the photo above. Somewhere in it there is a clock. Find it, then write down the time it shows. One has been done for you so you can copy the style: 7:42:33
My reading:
8:57:23
